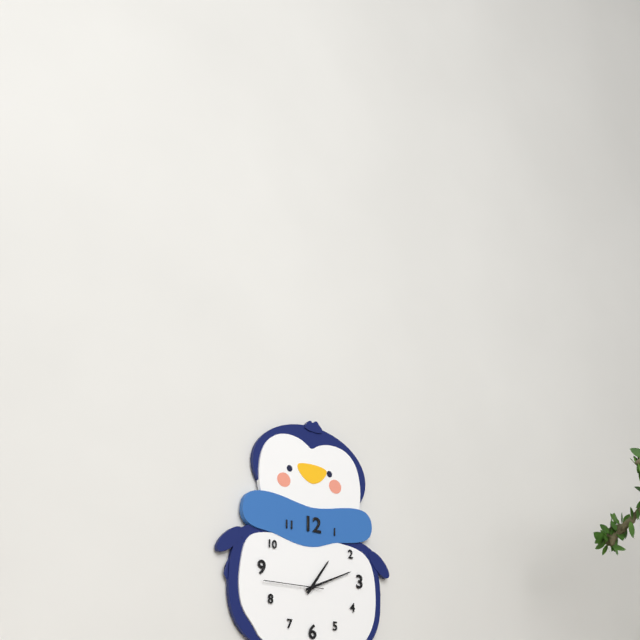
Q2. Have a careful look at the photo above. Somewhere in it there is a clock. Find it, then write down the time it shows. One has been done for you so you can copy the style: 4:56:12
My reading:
1:11:45
